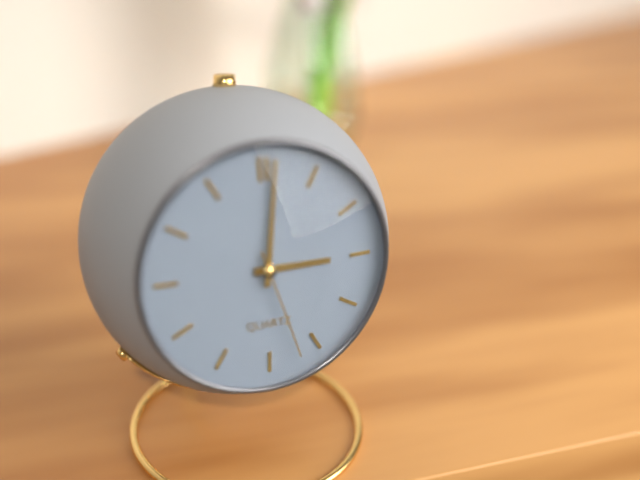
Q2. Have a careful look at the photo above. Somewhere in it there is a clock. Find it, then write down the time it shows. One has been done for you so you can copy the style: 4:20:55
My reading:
3:01:27
